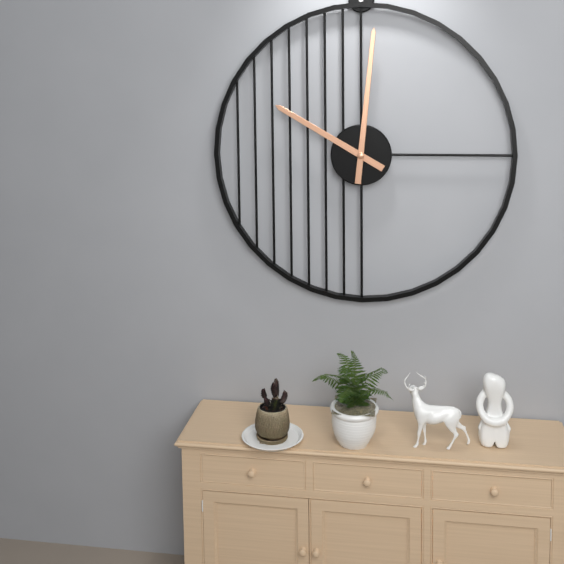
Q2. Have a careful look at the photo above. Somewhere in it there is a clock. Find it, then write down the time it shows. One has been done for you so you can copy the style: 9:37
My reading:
10:01
